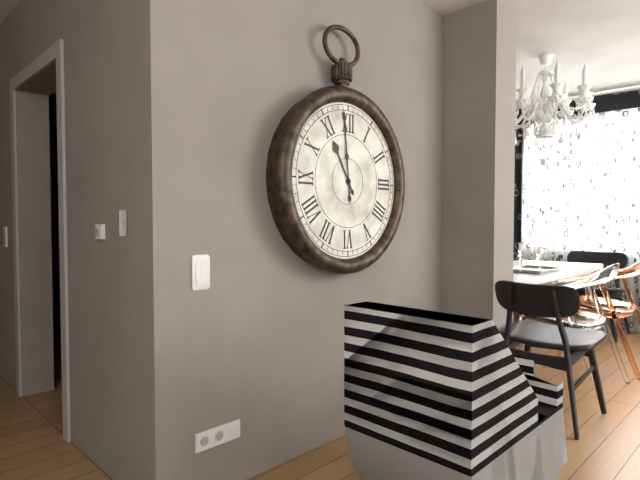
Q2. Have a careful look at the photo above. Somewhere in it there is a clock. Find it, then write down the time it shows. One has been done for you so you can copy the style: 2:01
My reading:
10:59
